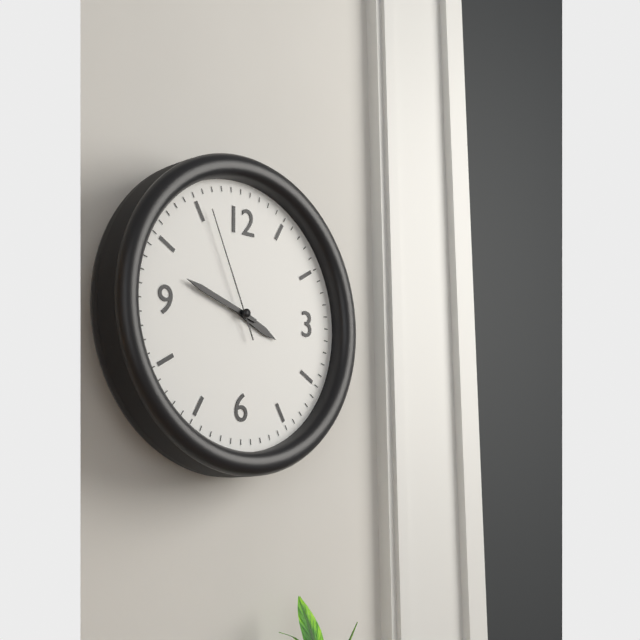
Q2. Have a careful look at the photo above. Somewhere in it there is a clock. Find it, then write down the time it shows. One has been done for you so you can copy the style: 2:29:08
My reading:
3:48:56
